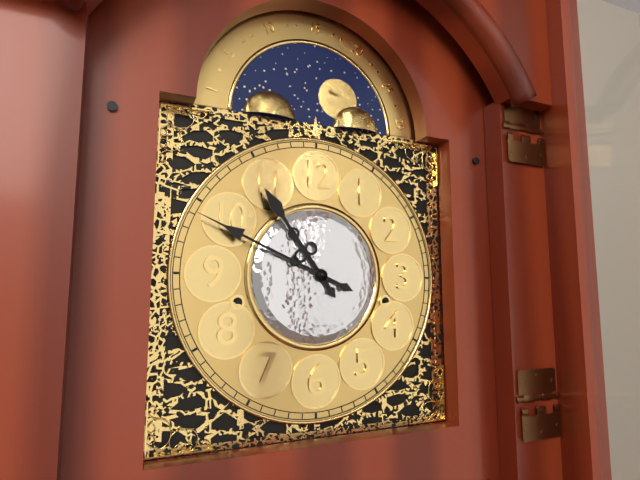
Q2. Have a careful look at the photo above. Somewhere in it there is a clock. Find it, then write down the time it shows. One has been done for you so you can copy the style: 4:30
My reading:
10:49
